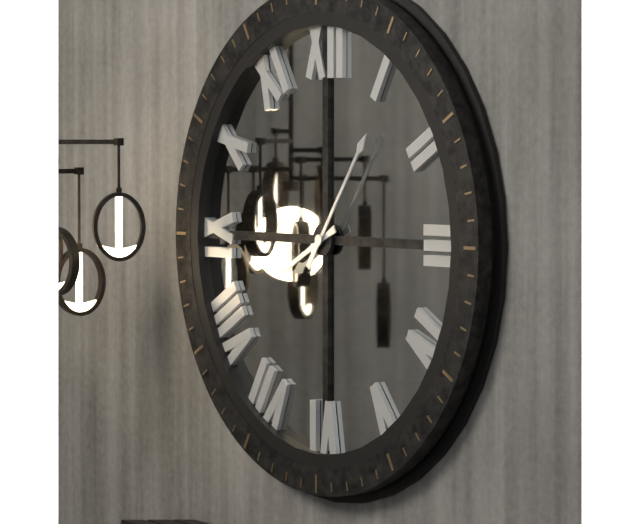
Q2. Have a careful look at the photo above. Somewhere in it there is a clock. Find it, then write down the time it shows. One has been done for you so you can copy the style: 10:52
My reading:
8:06
